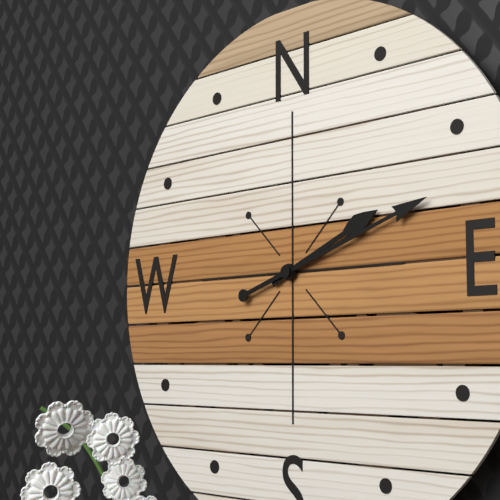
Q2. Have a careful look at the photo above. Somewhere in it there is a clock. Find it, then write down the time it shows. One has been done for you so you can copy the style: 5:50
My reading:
2:12
